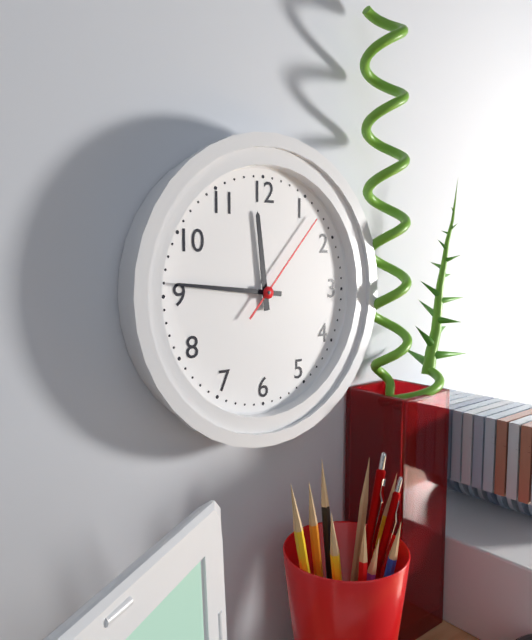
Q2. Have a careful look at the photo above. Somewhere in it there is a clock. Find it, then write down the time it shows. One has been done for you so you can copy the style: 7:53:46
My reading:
11:46:07
